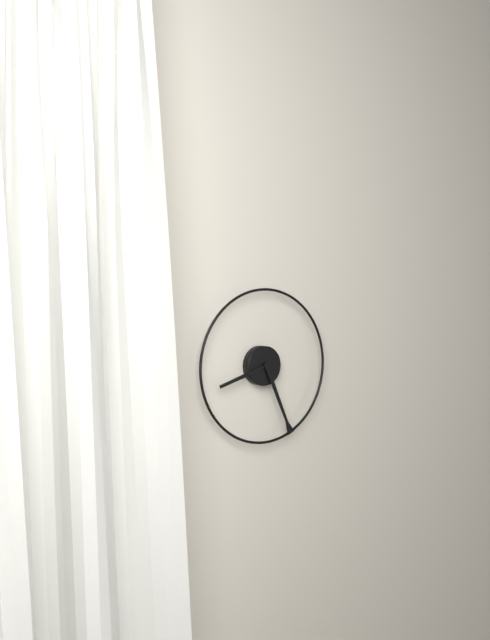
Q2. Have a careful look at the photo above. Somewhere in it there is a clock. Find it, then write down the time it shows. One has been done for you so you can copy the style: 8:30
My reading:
8:26
